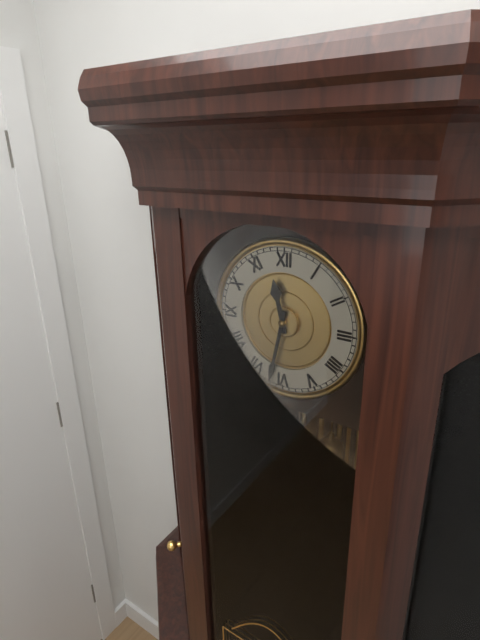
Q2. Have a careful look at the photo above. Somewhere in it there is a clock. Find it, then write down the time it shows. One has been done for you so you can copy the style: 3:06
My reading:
11:32
